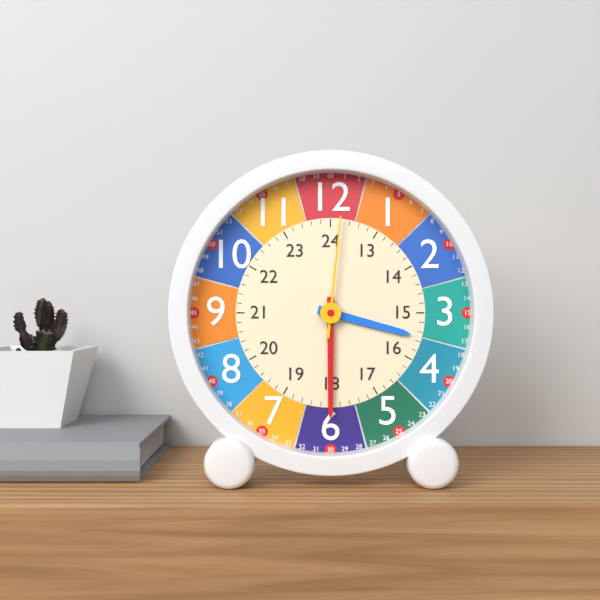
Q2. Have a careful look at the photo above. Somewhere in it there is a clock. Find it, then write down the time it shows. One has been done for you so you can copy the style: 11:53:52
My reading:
3:30:01
